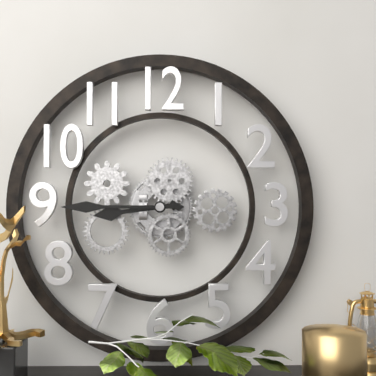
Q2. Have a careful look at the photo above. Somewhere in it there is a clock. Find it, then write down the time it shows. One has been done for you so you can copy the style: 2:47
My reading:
8:45
